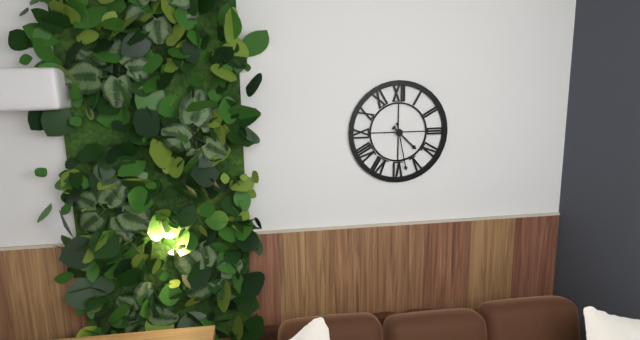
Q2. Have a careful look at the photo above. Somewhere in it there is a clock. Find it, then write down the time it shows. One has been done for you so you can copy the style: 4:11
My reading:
4:28
